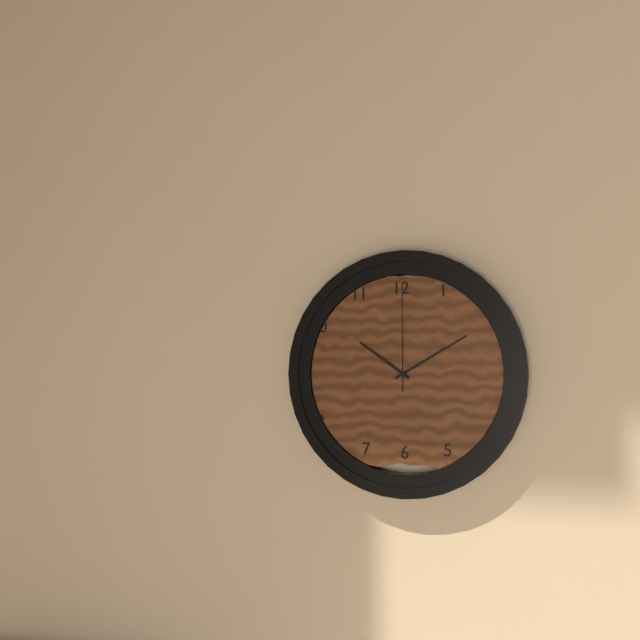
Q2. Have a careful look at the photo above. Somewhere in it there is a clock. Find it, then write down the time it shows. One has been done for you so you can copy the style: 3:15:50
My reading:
10:10:00
